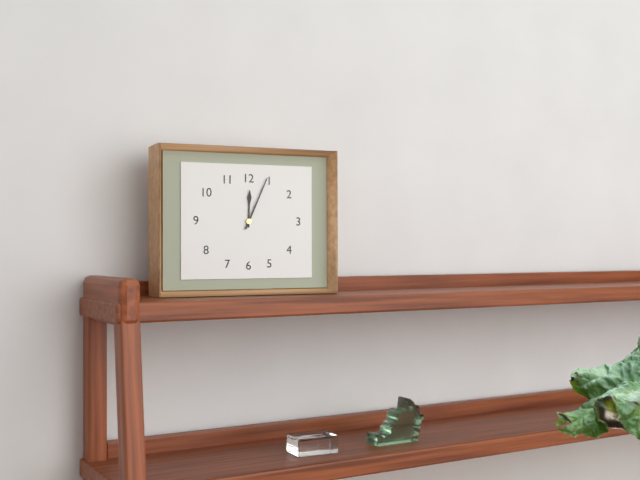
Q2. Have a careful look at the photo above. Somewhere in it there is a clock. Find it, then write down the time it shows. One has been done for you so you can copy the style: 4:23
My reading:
12:04
